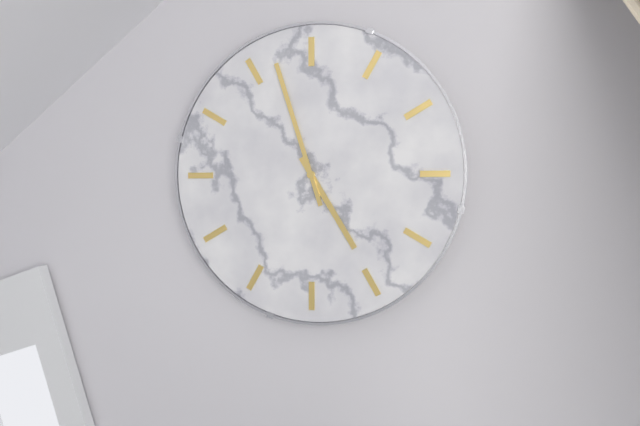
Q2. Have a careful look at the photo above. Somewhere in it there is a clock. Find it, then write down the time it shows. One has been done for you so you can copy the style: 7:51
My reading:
4:57
